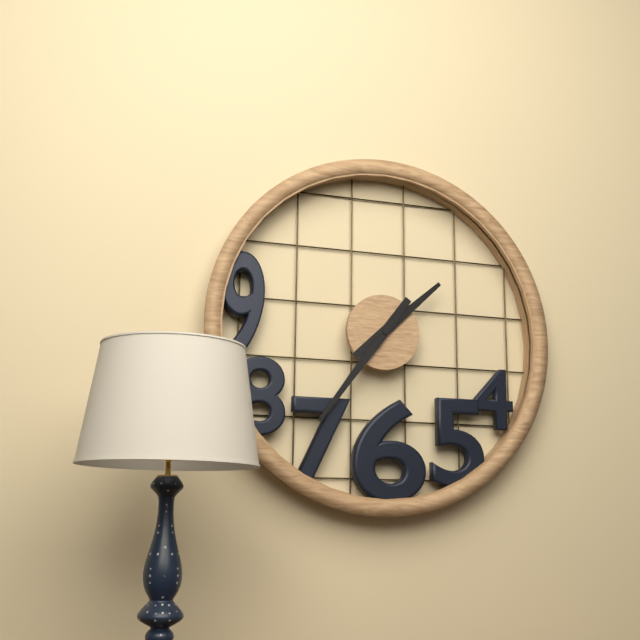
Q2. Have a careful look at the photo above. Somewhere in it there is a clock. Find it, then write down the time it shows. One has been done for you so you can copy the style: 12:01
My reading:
1:36
